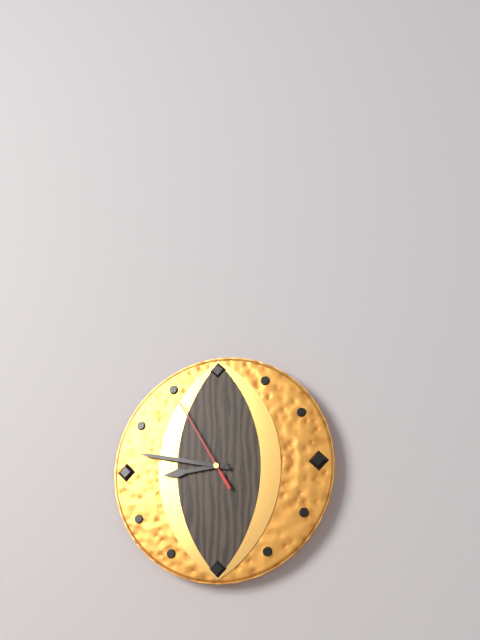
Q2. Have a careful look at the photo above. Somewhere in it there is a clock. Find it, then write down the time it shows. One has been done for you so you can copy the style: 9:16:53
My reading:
8:47:55
